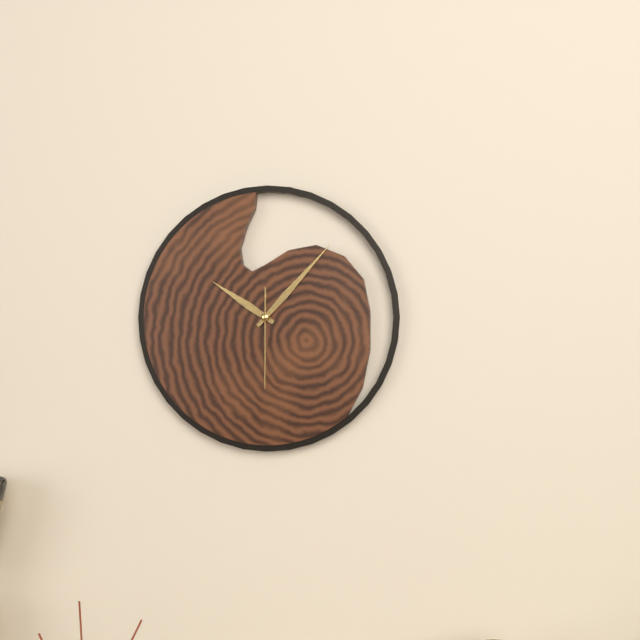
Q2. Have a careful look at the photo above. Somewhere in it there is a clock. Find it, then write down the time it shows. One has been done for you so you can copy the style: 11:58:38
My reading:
10:07:30
